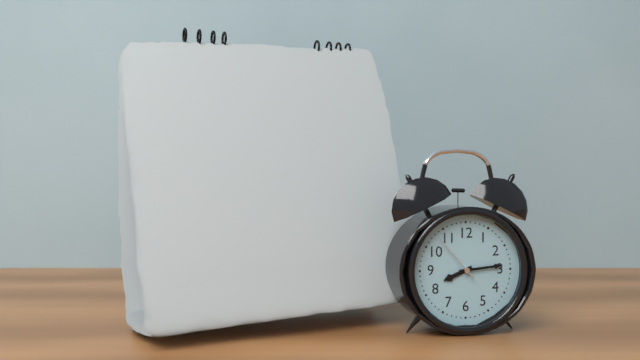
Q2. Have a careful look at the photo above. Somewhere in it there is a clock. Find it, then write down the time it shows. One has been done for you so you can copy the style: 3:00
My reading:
8:14
